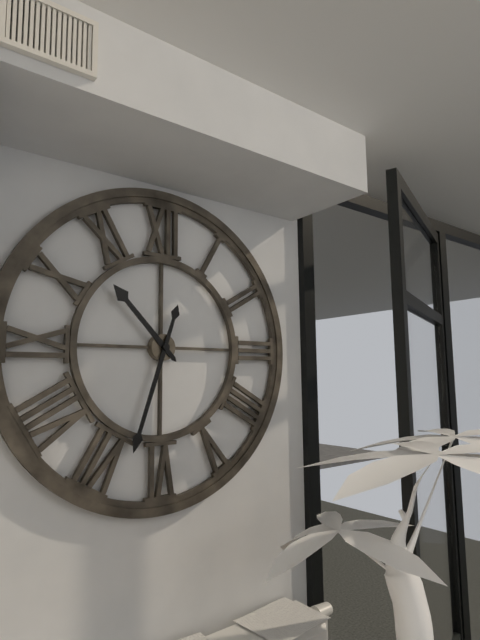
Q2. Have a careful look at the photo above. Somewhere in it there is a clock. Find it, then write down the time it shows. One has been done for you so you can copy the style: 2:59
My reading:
10:33
